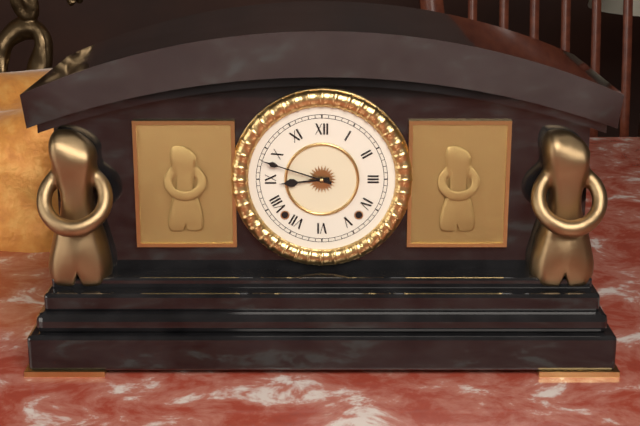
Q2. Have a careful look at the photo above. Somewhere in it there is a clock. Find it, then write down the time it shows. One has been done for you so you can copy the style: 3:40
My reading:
8:48
